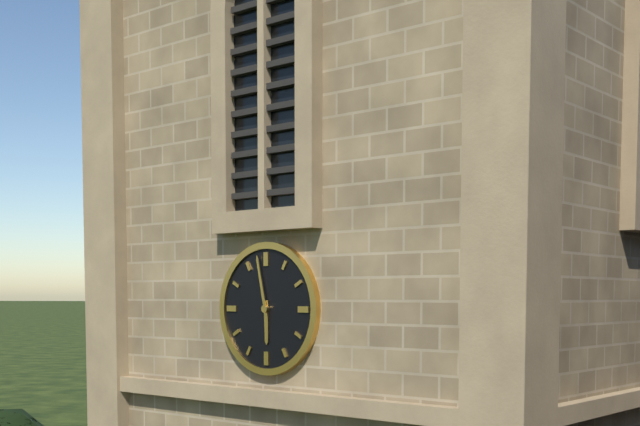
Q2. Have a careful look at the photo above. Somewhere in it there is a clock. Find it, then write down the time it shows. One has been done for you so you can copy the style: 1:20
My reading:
5:58
